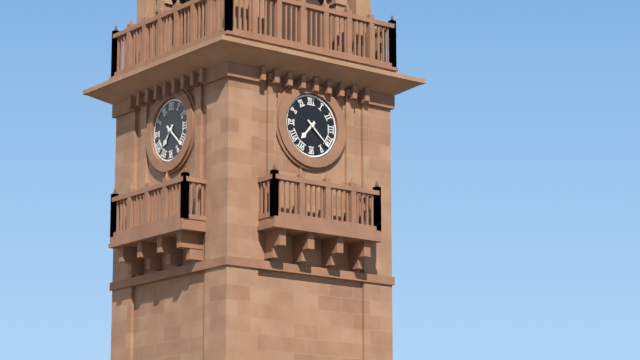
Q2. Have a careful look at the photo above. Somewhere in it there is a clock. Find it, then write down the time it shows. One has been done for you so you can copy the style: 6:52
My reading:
7:22
